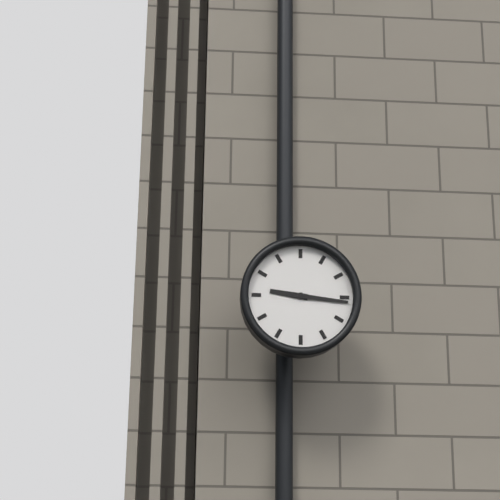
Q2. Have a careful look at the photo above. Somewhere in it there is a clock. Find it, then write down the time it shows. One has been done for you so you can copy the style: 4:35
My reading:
9:16
